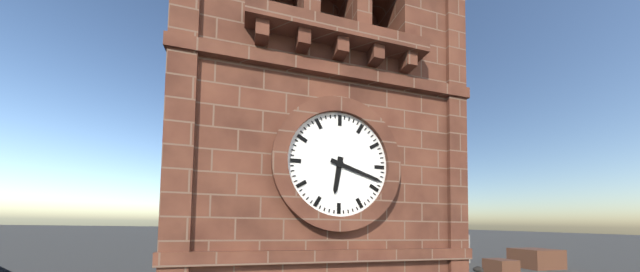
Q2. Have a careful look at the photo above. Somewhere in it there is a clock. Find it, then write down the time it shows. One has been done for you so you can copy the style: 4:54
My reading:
6:18
